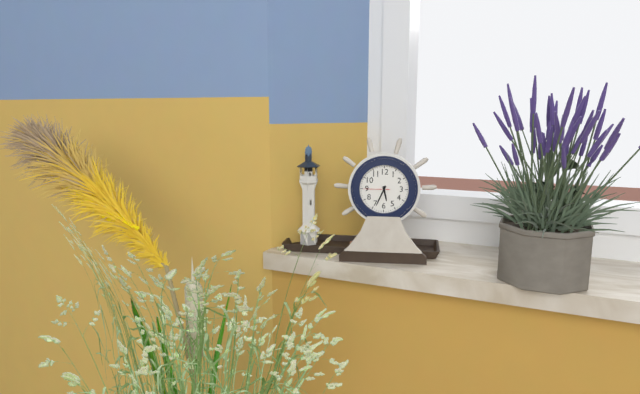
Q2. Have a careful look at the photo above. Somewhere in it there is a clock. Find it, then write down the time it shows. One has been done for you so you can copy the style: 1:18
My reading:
5:34
